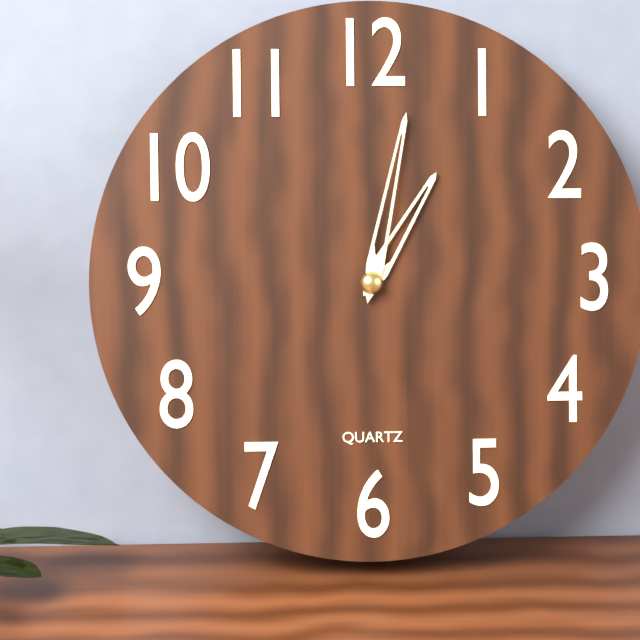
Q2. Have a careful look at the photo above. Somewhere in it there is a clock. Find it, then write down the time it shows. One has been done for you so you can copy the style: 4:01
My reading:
1:02
